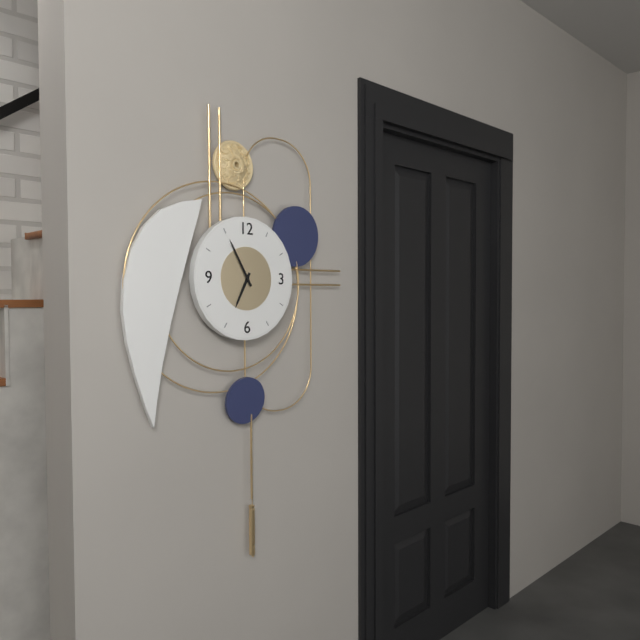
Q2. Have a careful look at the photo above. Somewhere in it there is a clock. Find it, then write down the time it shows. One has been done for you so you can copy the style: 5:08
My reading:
6:55
